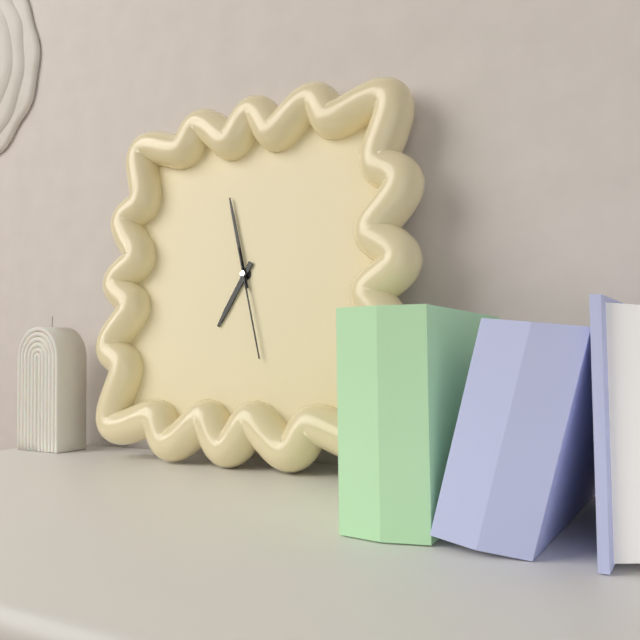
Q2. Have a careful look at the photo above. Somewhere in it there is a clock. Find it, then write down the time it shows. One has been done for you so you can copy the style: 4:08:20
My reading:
6:57:27
